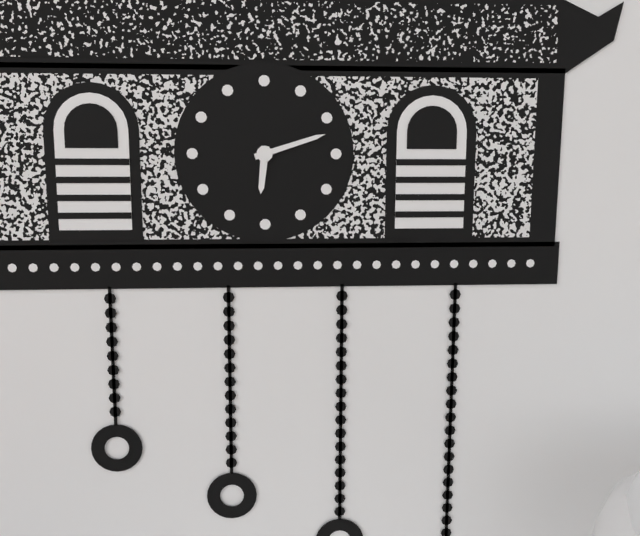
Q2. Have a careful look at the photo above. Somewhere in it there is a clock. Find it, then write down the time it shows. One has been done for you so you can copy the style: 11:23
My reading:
6:12
